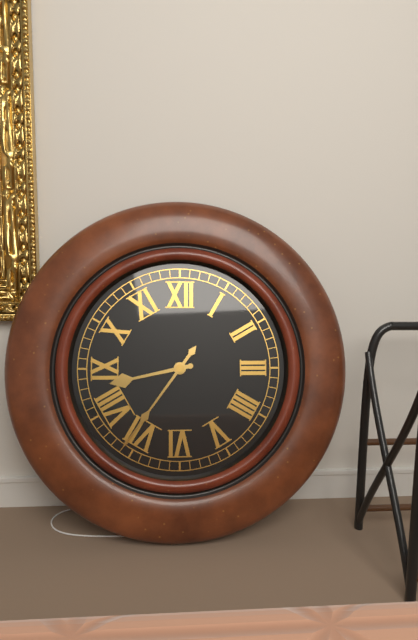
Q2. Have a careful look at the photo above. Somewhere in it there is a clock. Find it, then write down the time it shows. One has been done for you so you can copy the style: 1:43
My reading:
8:36
